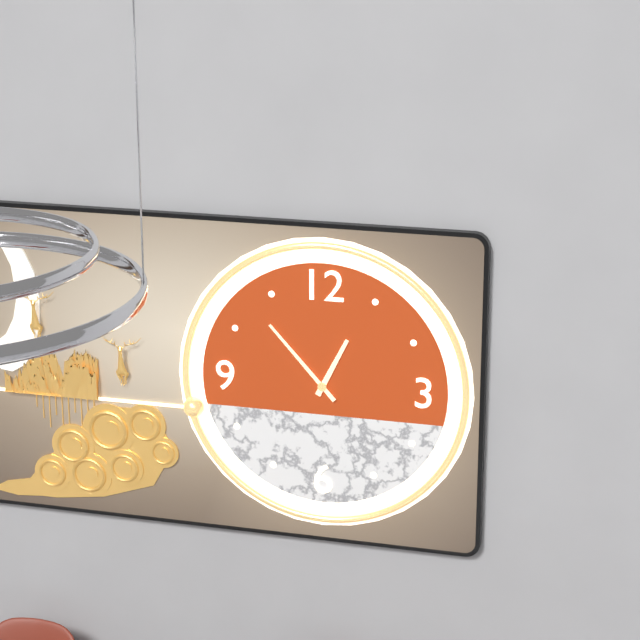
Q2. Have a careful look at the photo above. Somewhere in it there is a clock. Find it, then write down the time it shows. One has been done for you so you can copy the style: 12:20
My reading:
12:53
